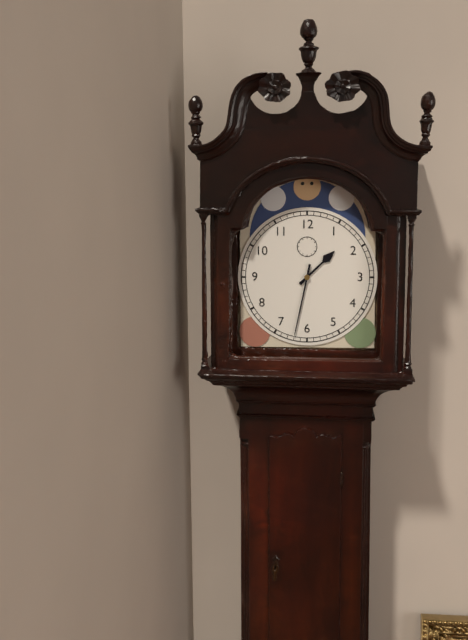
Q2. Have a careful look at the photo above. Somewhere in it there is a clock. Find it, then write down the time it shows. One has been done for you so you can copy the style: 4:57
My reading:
1:32
